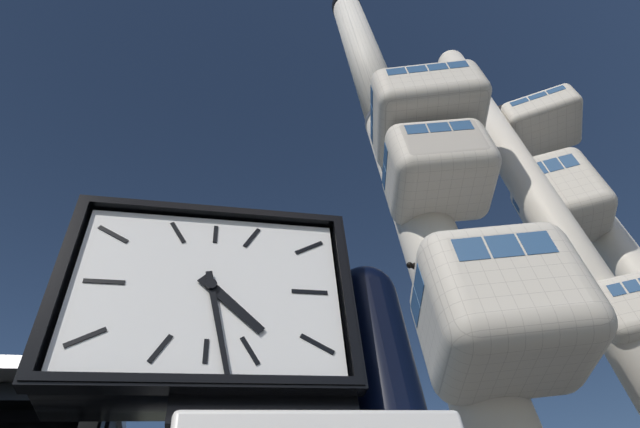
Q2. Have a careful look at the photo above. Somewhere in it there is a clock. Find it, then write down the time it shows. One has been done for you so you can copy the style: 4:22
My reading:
4:28
